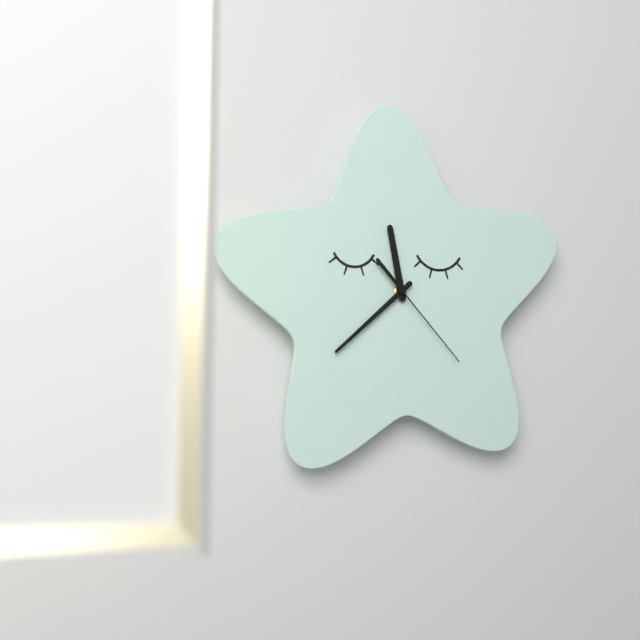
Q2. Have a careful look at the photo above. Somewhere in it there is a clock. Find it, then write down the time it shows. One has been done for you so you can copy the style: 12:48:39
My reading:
11:38:23
